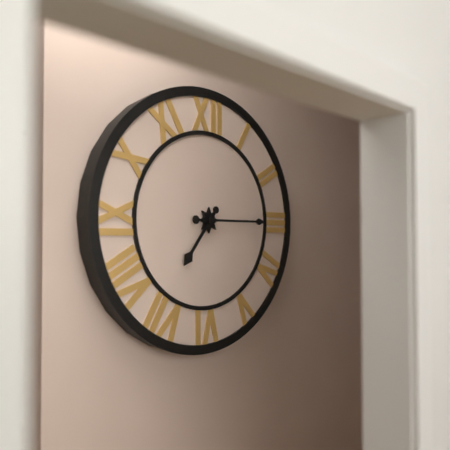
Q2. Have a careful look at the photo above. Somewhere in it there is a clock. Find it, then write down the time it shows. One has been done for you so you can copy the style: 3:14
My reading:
7:15
